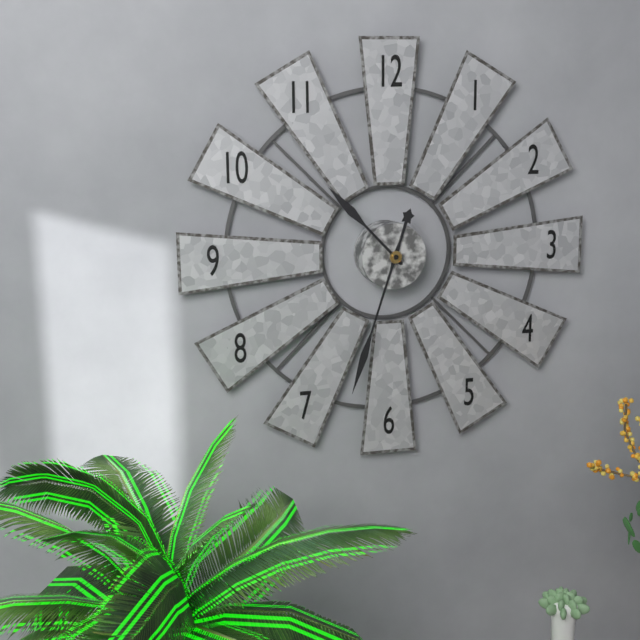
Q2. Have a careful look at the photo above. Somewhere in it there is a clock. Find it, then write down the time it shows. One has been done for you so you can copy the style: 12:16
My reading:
10:33
